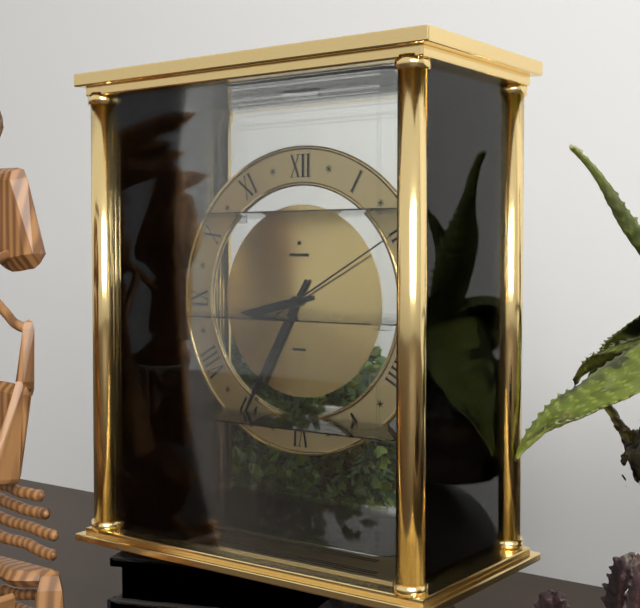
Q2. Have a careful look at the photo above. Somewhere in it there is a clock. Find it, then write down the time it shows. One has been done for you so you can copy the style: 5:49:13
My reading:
8:35:10
